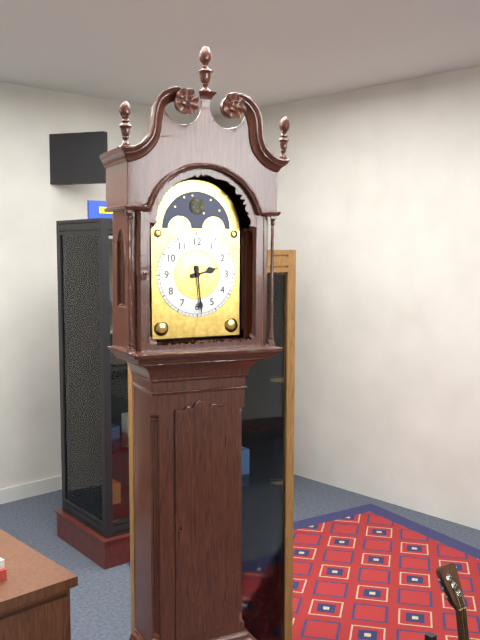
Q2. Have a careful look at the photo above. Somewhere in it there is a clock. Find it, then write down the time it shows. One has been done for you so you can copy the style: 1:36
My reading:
2:29
